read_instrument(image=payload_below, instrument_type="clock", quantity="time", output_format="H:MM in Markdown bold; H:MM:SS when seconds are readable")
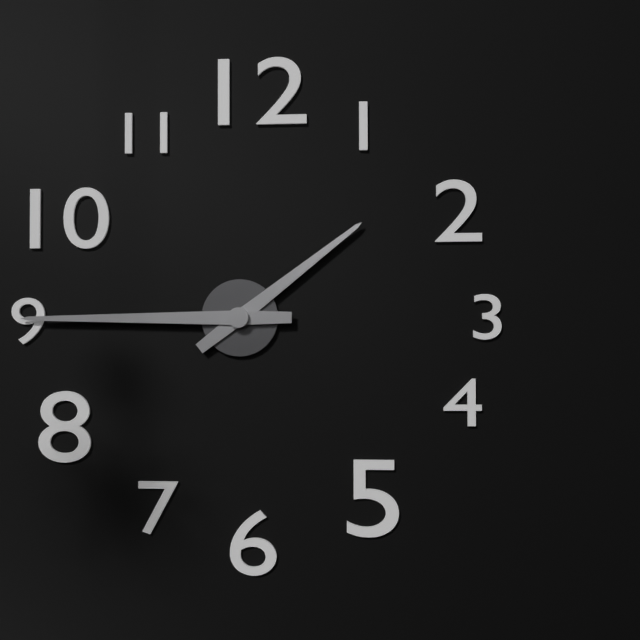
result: **1:45**
